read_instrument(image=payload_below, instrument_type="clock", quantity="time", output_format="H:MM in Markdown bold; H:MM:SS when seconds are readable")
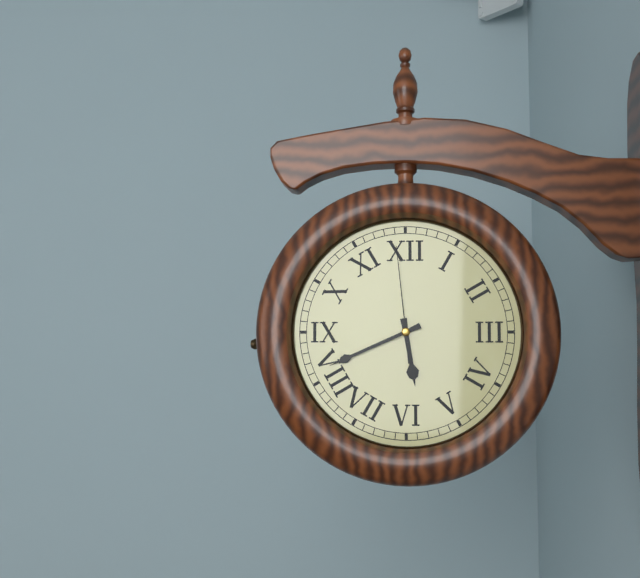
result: **5:41:59**
